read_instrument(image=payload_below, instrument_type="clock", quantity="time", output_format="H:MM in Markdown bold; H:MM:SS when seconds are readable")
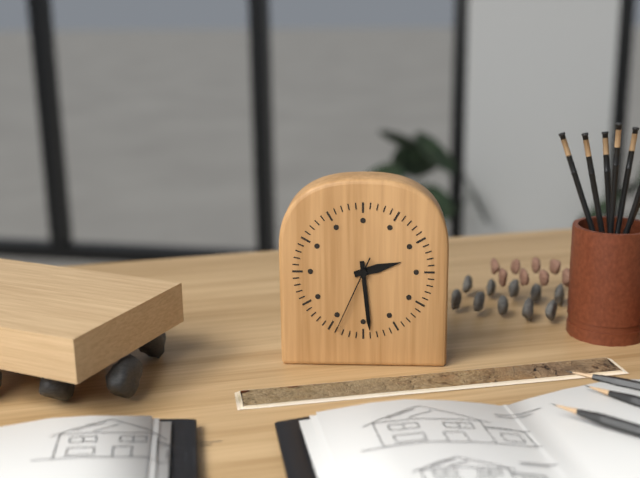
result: **2:29:34**
